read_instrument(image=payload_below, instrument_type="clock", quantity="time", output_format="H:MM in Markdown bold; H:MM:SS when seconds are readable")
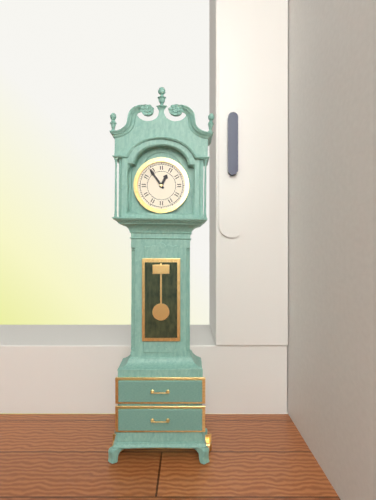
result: **12:54**
